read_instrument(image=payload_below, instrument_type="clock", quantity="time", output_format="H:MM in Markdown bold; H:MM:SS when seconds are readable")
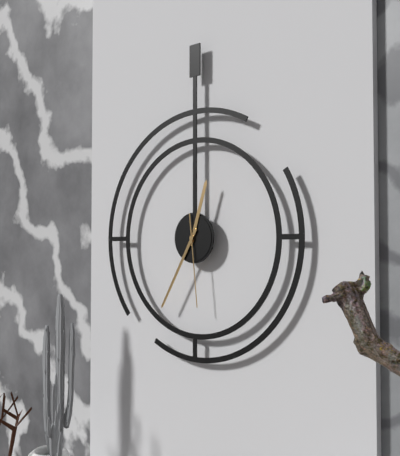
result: **12:35:29**
